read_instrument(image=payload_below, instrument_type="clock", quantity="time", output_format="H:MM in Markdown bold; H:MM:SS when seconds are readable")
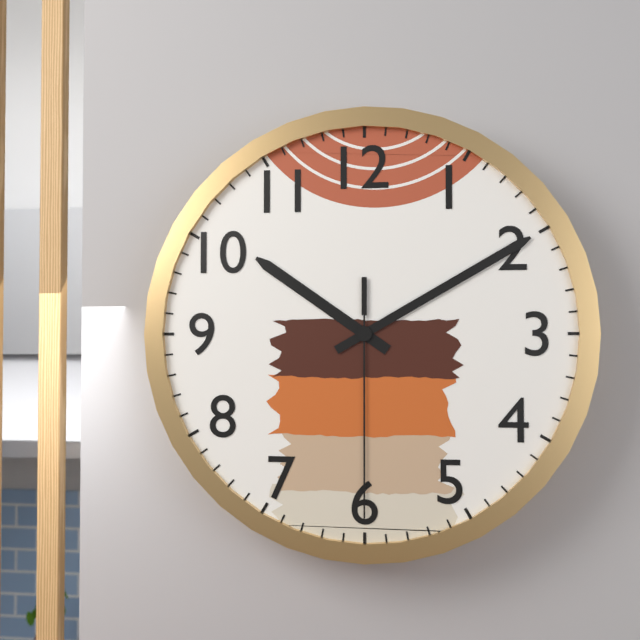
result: **10:10:30**
